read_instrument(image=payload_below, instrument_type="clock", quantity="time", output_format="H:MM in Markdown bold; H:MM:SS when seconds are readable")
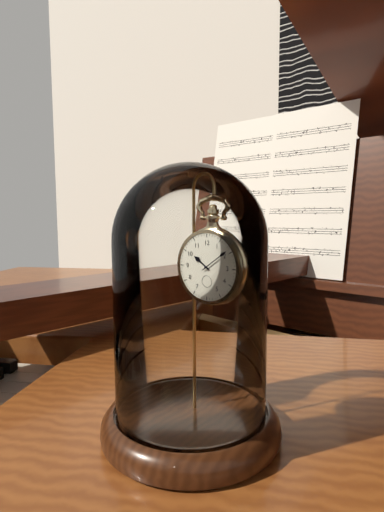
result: **10:09**
